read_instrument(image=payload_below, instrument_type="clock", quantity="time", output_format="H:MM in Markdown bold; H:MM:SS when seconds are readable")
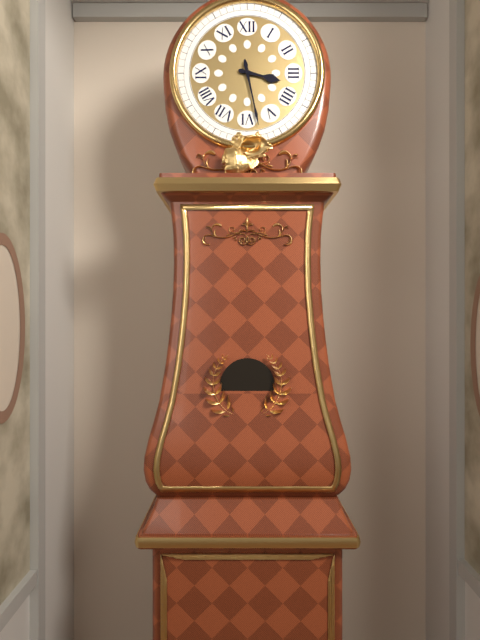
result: **3:28**
